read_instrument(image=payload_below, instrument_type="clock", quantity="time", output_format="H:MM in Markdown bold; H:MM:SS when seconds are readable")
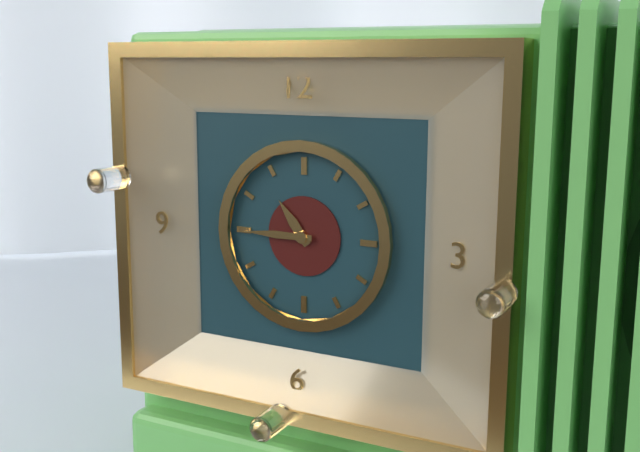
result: **10:45**
